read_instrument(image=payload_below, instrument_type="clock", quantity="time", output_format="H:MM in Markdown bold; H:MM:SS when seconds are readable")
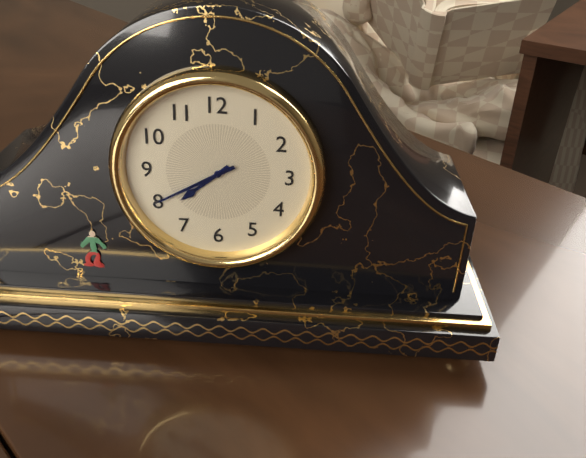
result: **7:40**
